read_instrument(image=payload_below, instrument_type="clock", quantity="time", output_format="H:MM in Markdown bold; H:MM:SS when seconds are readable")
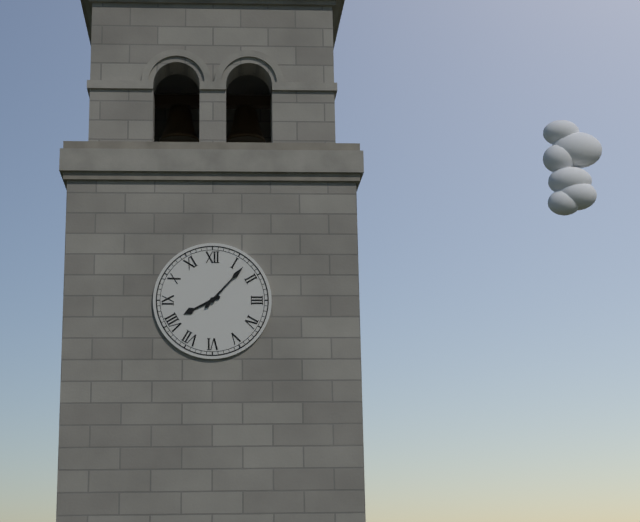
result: **8:07**
